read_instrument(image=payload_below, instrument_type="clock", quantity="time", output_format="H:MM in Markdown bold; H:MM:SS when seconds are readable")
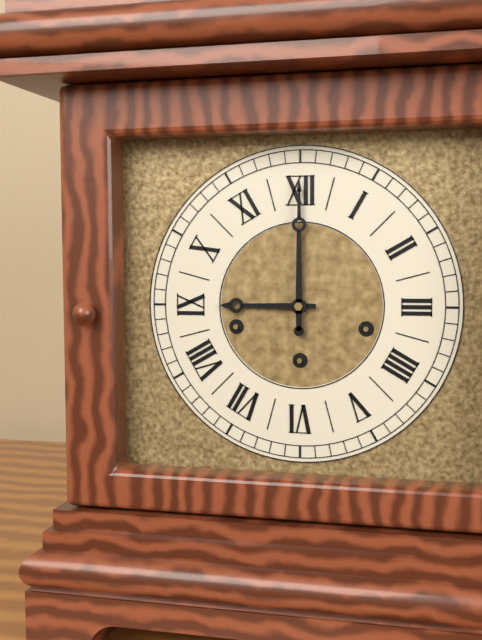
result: **9:00**
